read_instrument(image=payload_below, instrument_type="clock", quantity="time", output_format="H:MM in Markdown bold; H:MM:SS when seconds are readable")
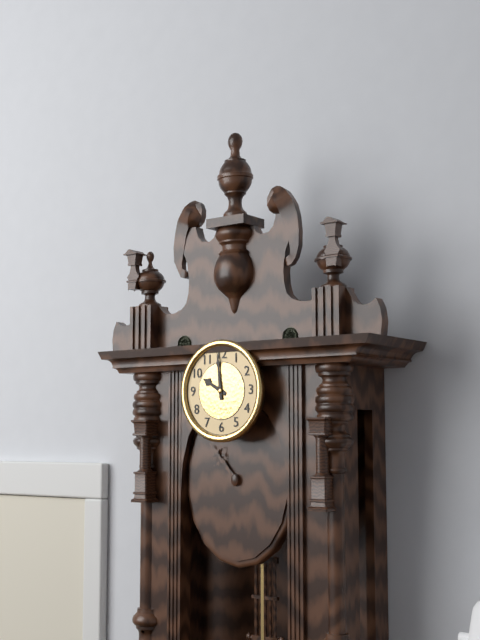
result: **9:59**
